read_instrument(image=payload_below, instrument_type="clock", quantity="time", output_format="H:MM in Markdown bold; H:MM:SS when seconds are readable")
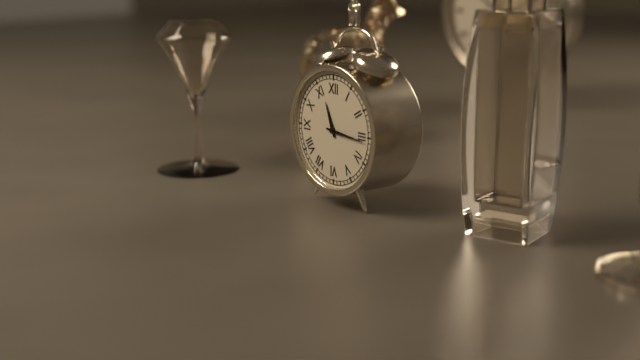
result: **11:16**
